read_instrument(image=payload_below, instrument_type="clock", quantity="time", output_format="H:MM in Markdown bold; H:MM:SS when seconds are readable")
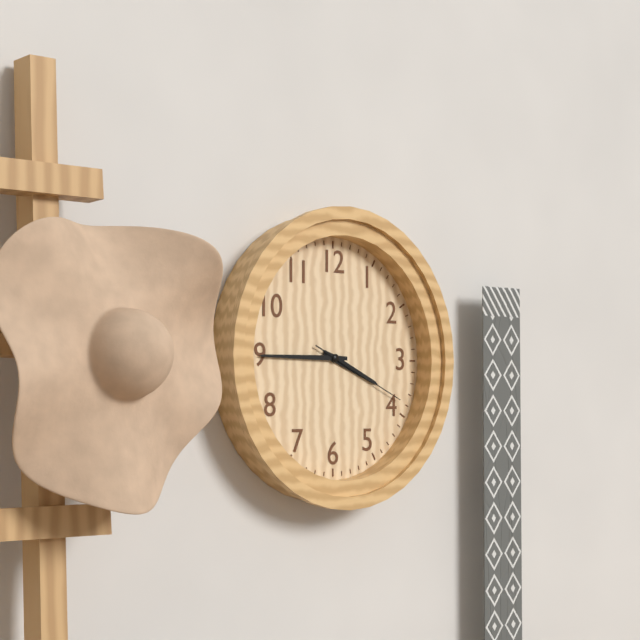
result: **3:45:19**
